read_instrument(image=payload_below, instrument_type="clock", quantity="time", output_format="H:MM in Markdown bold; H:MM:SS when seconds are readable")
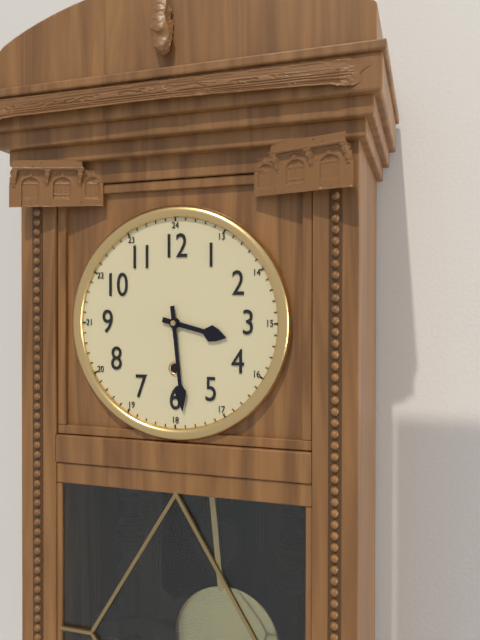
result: **3:29**
